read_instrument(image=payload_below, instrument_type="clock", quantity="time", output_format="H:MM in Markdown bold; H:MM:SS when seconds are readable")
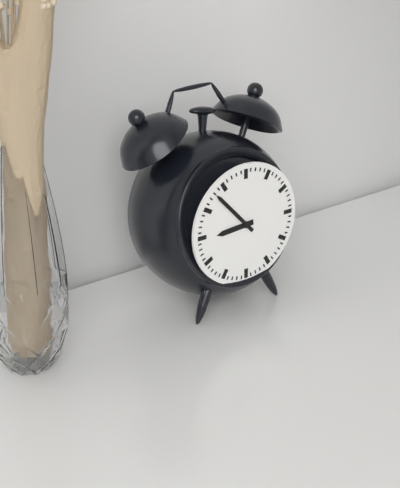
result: **8:53**
